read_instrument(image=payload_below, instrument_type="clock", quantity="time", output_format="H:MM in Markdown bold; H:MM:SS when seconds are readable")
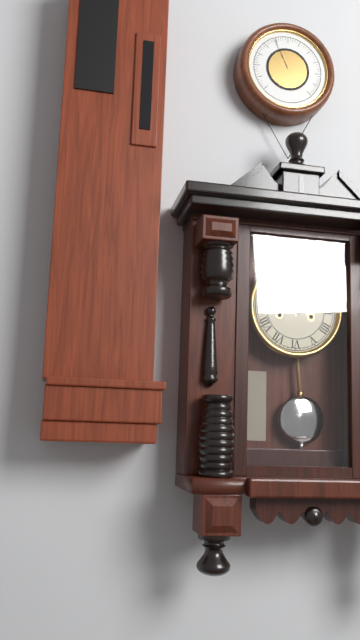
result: **10:43**
